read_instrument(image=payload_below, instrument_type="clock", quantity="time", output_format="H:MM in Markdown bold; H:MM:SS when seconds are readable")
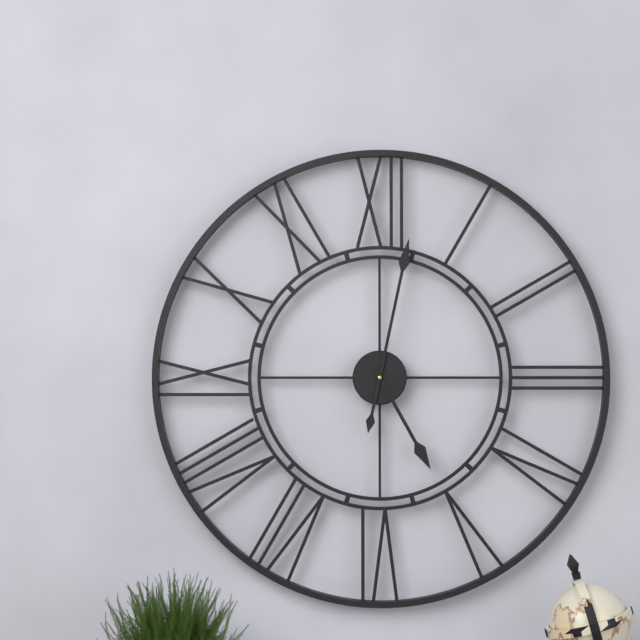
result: **5:02**
